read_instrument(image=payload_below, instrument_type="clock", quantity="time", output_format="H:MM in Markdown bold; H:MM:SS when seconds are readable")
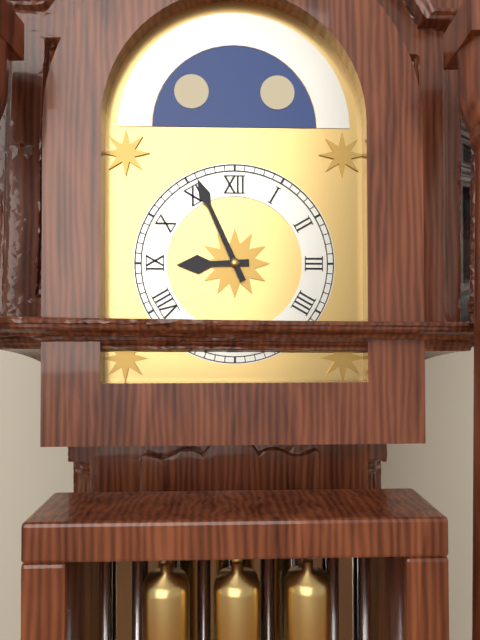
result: **8:56**
